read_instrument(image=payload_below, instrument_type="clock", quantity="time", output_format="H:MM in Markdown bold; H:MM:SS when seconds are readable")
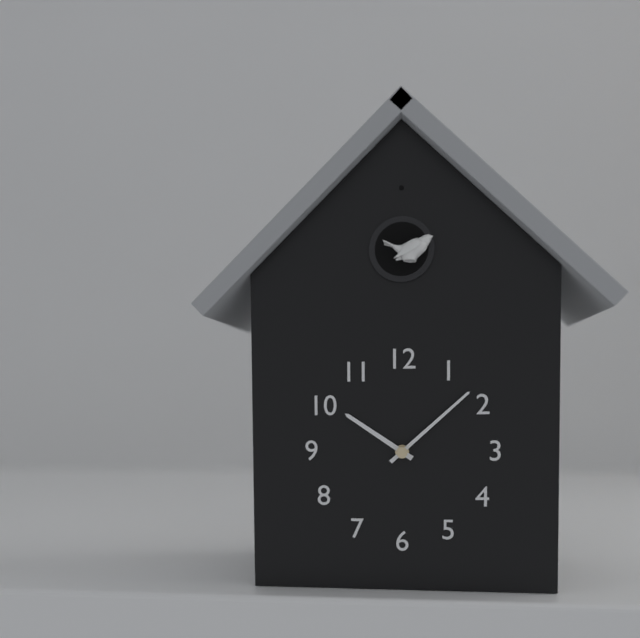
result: **10:08**
